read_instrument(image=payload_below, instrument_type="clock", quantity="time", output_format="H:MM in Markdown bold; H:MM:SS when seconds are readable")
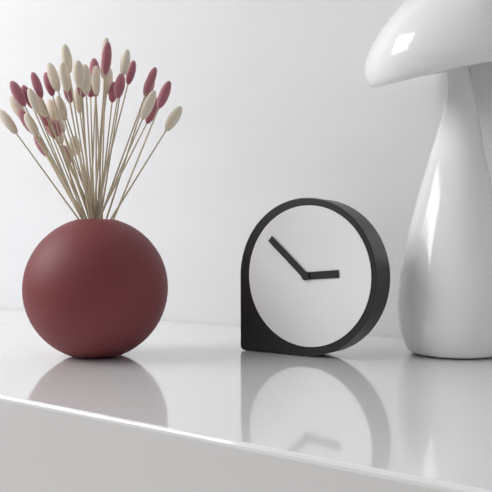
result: **2:52**
